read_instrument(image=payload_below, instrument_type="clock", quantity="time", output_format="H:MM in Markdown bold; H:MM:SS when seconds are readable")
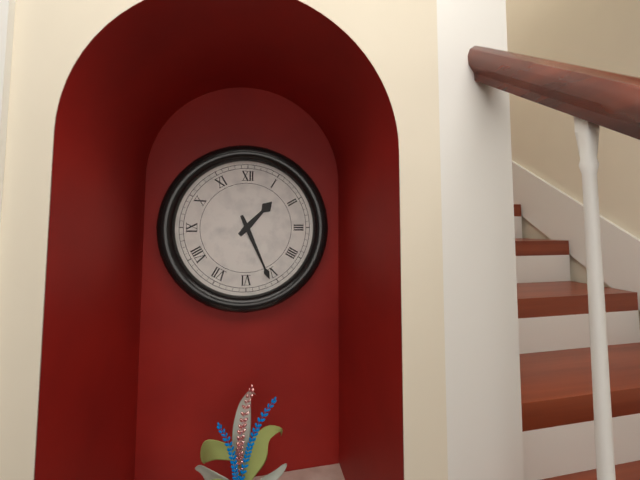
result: **1:26**
